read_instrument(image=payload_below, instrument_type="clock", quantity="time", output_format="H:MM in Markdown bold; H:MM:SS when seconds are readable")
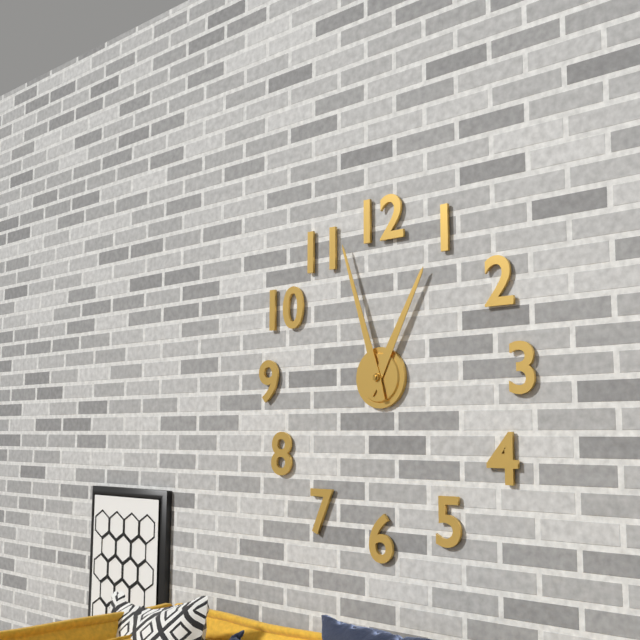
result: **12:57**
